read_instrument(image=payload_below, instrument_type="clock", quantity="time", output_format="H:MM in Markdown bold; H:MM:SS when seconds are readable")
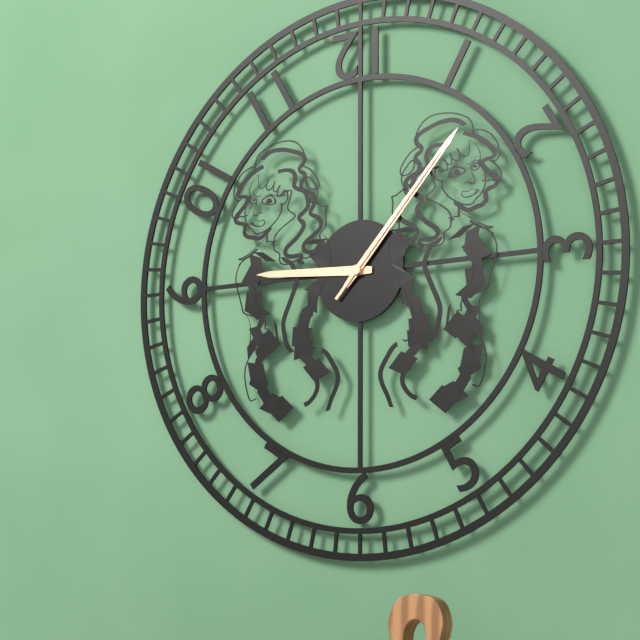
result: **9:07:07**
